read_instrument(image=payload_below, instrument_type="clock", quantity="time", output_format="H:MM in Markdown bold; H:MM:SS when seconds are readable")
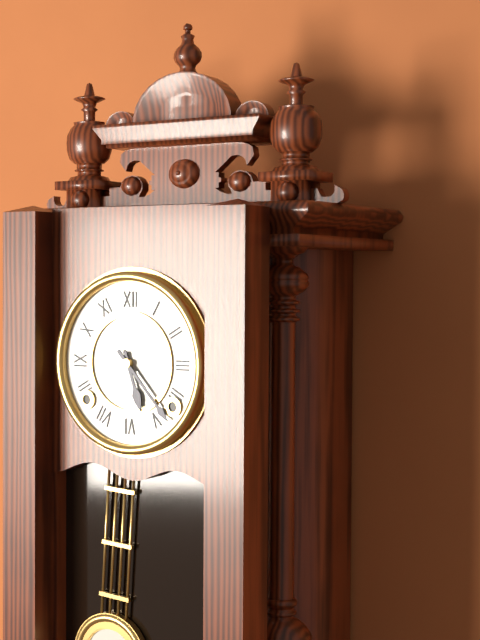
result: **5:23**
